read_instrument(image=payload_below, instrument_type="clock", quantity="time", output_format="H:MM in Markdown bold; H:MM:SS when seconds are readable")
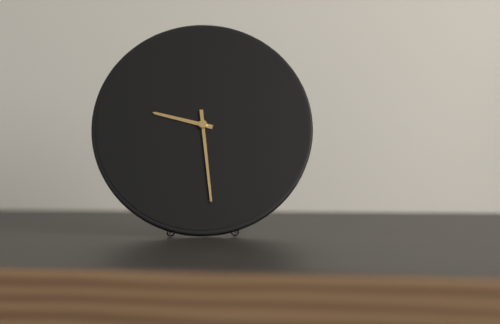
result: **9:29**
